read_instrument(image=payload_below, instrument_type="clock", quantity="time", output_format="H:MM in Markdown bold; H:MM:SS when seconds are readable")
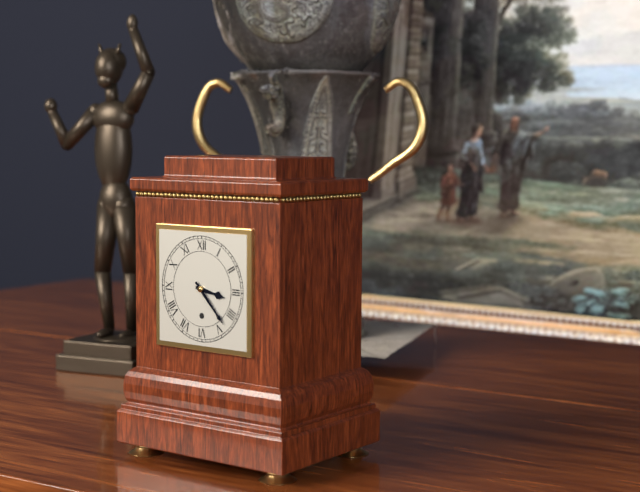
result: **3:23**
